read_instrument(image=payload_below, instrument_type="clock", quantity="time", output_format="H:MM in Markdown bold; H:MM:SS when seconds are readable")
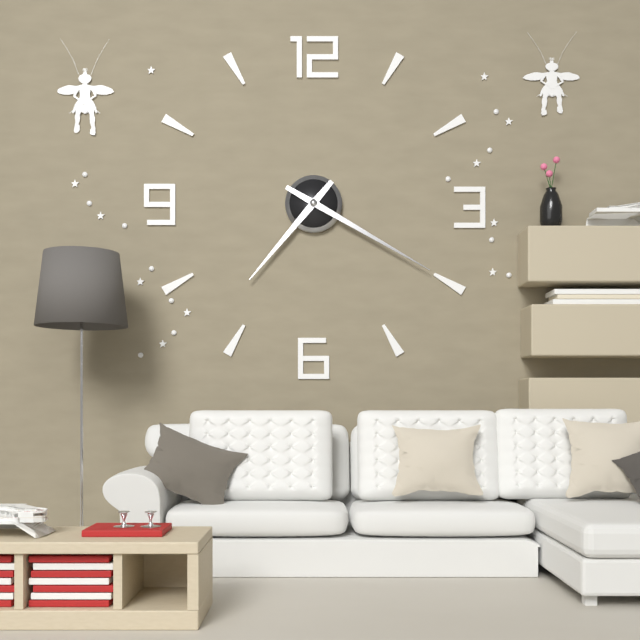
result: **7:20**
